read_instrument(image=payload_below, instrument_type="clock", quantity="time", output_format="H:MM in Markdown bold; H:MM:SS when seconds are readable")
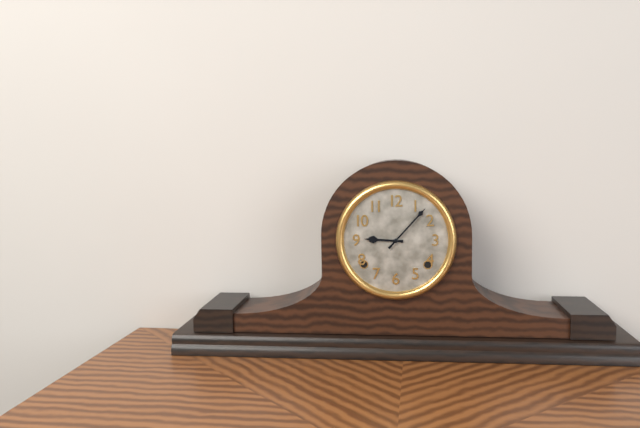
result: **9:07**
